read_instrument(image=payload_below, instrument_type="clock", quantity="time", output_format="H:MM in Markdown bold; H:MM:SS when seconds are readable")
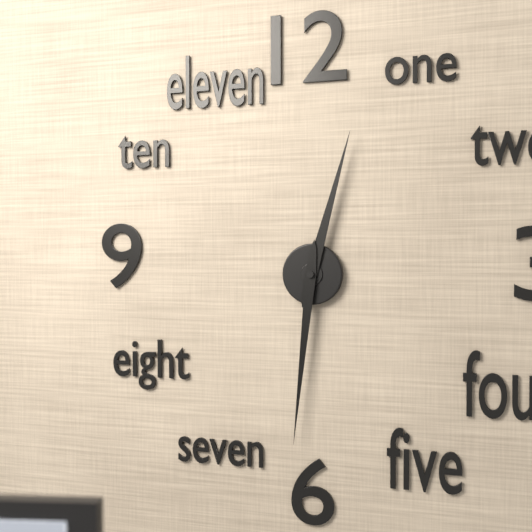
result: **12:31**
